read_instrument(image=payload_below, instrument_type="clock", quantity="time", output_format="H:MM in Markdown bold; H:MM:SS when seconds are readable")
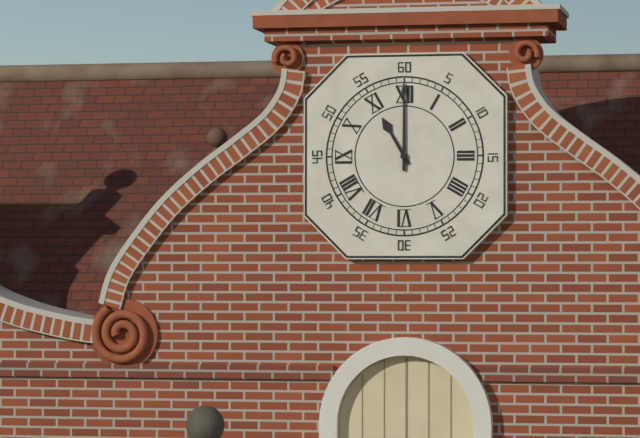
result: **11:00**
